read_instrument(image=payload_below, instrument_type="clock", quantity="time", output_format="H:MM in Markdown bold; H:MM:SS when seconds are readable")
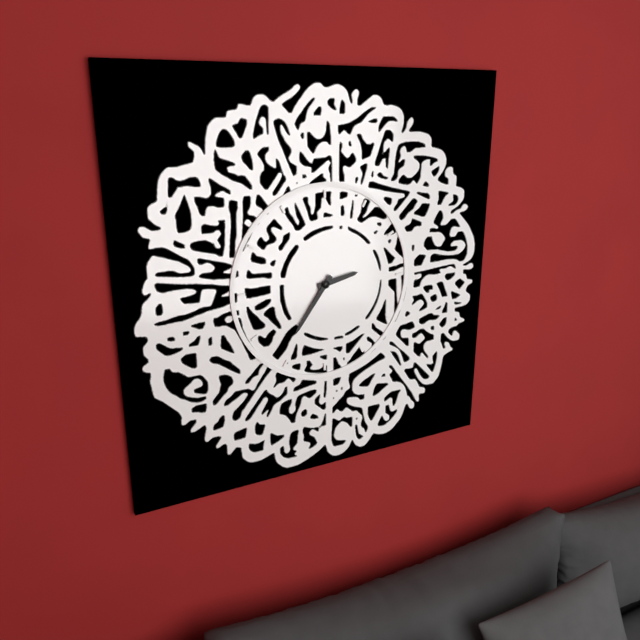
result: **2:36**
